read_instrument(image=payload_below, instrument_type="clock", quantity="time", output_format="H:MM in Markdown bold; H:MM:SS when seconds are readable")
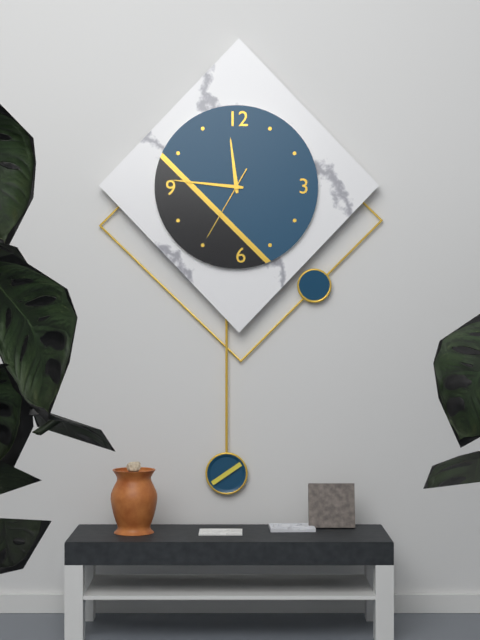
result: **11:46:35**
